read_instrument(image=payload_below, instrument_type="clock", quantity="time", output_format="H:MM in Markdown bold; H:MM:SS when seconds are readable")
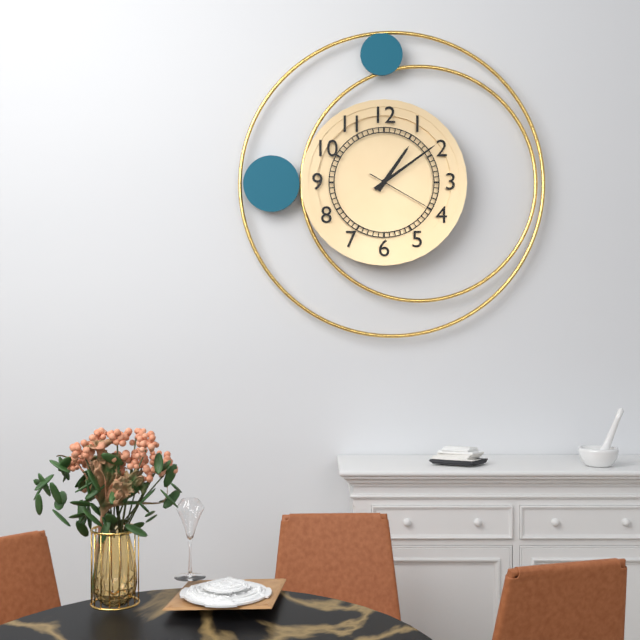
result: **1:09:20**
